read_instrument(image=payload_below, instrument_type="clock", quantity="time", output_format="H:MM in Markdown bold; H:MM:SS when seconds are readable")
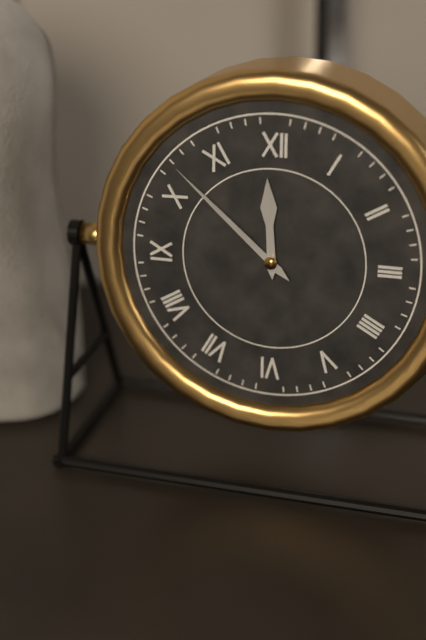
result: **11:52**
